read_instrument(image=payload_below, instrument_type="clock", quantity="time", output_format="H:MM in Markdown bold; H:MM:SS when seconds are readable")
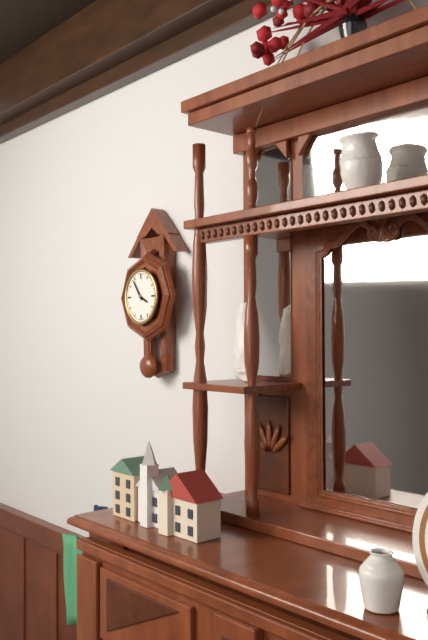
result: **3:54**
